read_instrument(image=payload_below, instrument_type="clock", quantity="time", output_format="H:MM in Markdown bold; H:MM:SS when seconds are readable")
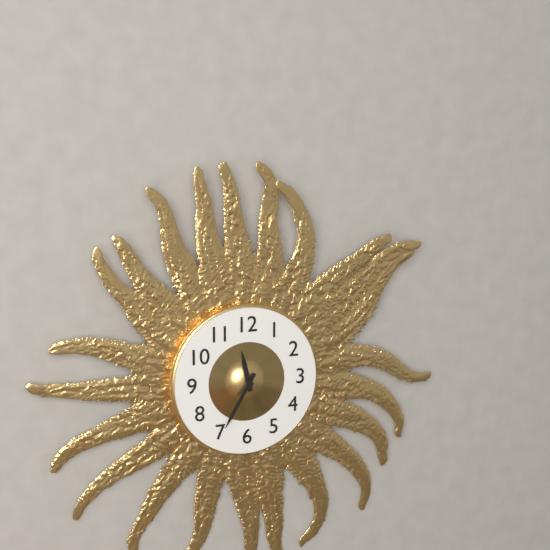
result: **11:35**
